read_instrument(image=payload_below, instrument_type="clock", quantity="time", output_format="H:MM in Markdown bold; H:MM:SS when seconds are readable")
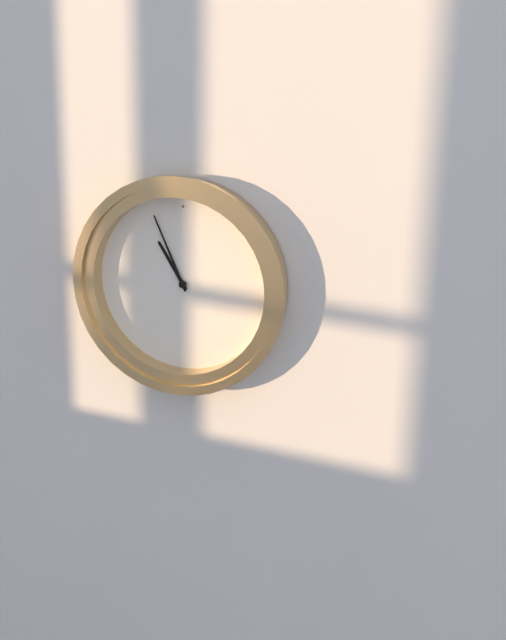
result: **10:56**
